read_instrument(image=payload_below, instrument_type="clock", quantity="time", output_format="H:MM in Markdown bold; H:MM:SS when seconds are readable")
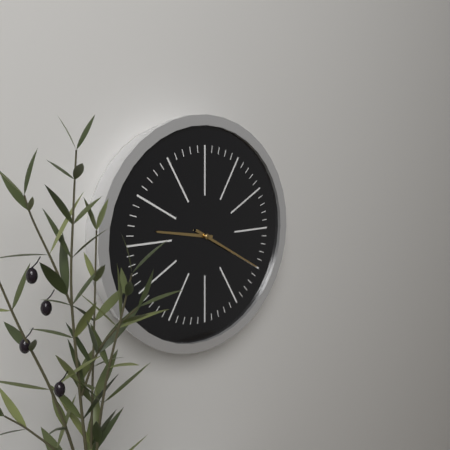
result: **9:20**
